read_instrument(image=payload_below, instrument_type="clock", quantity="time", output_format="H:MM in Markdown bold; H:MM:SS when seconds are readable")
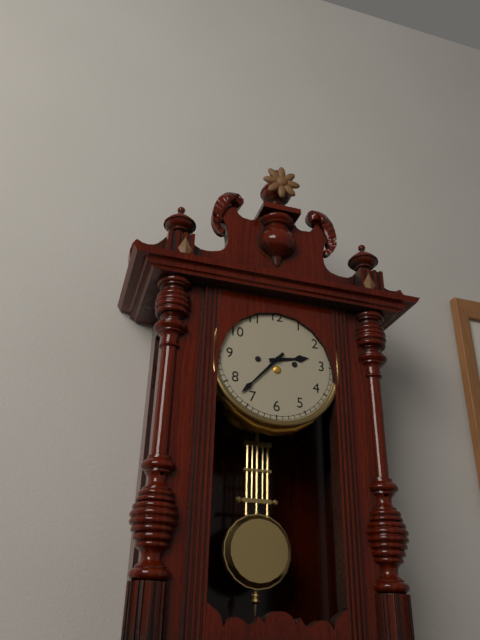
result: **2:37**
